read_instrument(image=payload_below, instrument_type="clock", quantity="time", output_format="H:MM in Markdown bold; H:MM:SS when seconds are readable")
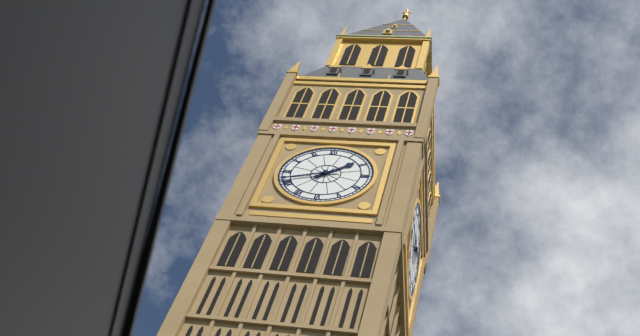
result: **1:42**
